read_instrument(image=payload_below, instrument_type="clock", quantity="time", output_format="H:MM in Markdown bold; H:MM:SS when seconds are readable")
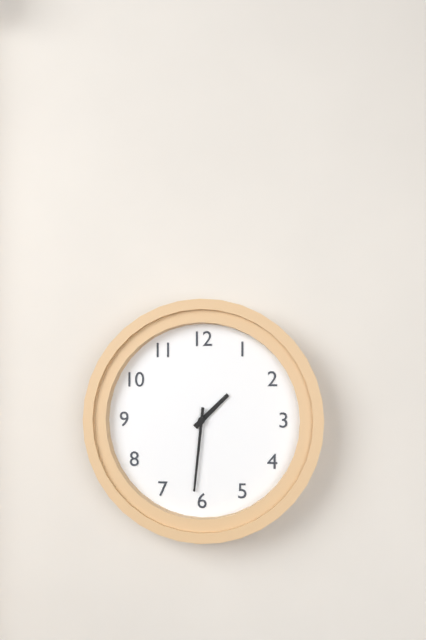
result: **1:31**
